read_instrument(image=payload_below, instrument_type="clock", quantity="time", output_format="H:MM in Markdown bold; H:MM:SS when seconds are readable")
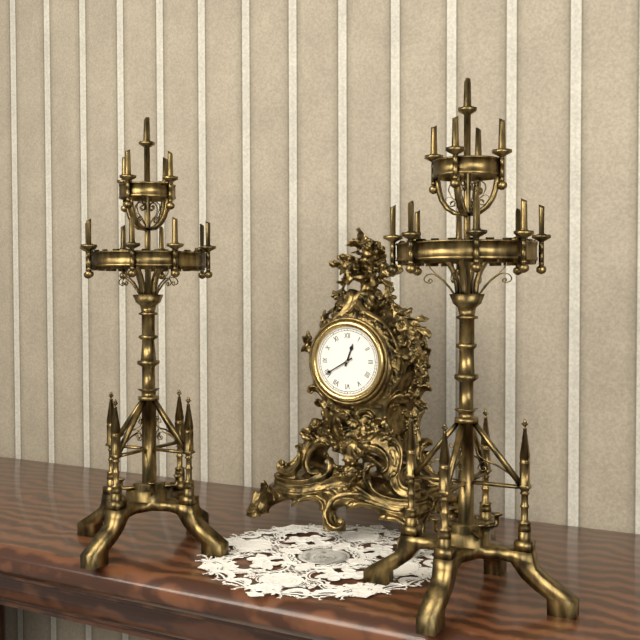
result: **12:40**
